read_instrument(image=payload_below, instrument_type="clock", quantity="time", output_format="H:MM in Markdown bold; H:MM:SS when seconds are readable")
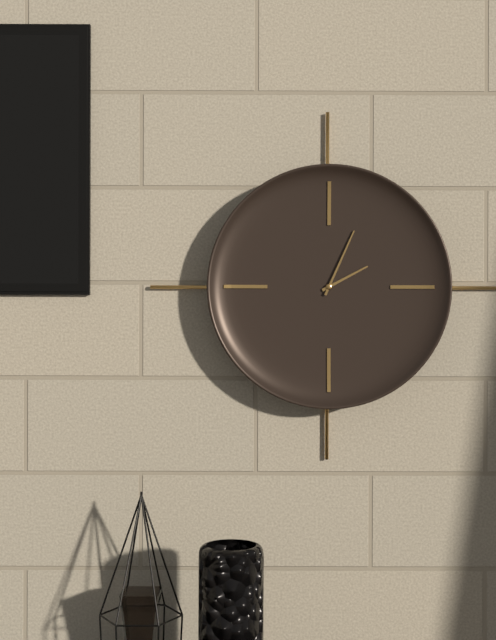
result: **2:04**
